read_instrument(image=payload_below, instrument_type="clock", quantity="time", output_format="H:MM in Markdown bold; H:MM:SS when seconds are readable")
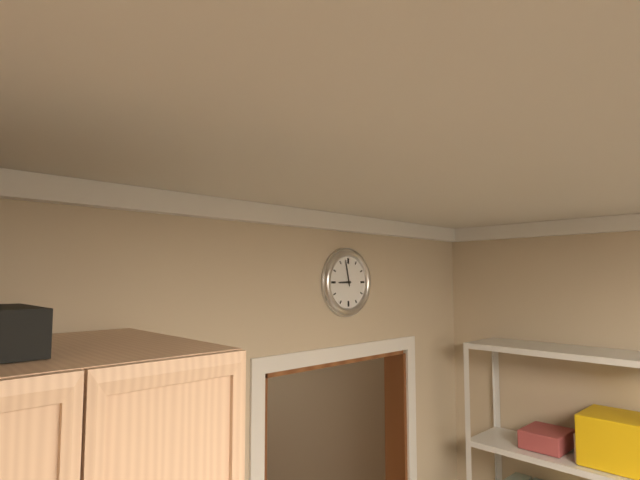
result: **8:58**
